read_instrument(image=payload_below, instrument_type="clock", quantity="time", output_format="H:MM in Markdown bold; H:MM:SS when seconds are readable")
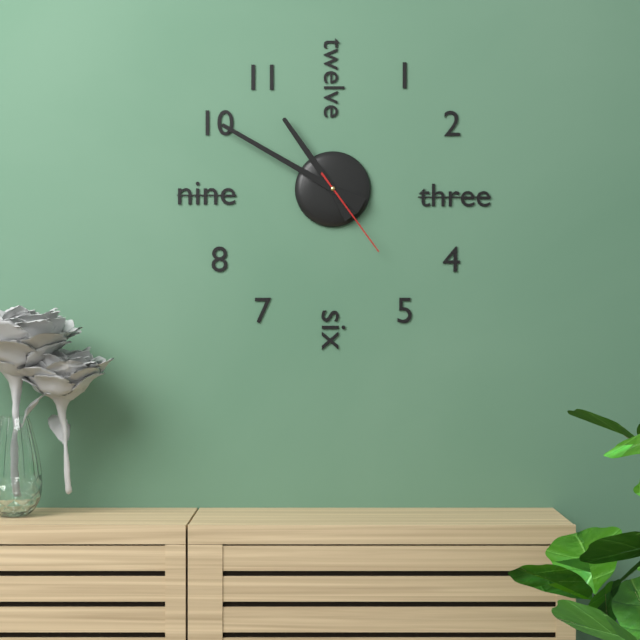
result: **10:50:24**
